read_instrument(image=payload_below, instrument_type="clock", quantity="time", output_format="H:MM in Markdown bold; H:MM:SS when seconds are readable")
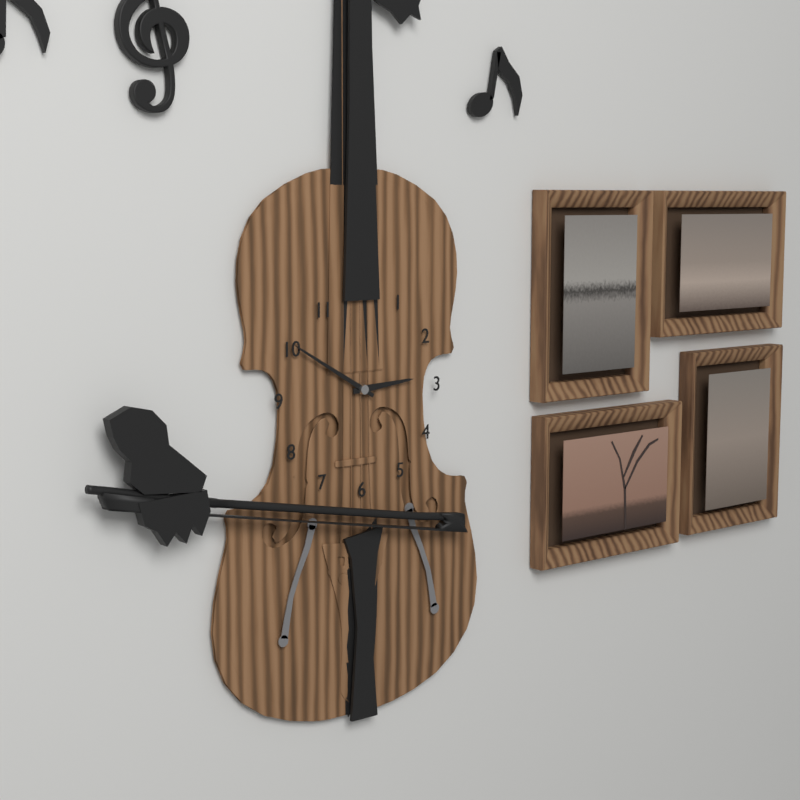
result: **2:50**
